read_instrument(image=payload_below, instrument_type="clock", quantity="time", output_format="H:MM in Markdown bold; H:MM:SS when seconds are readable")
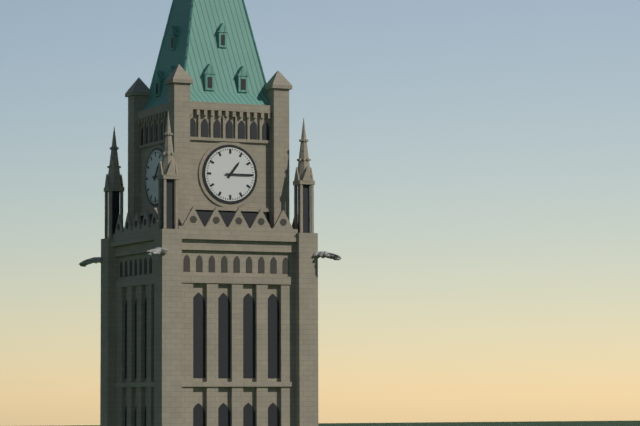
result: **1:15**
